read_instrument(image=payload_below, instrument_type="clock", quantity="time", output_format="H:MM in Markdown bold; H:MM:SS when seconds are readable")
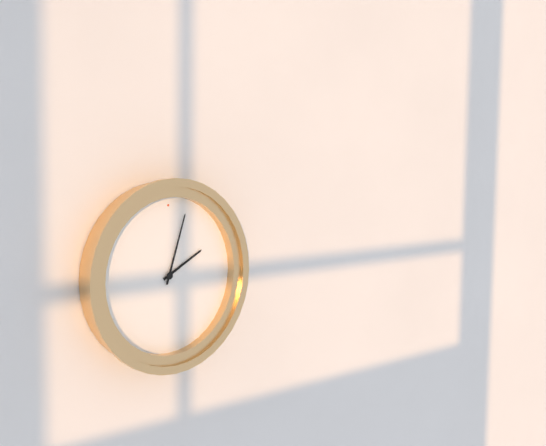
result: **2:03**
